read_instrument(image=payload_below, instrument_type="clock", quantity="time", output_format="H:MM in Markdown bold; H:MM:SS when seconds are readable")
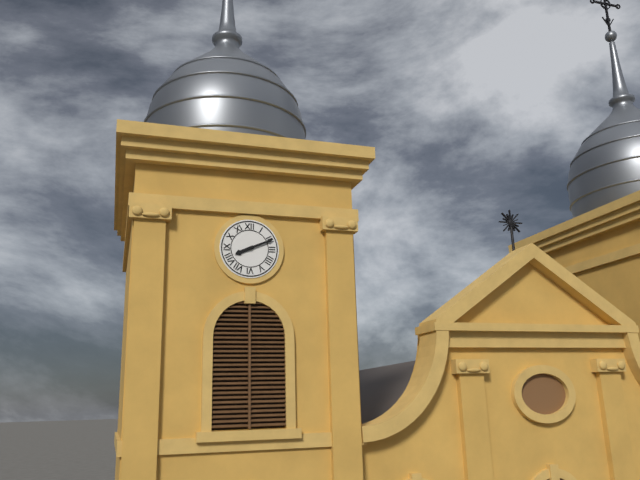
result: **8:11**
